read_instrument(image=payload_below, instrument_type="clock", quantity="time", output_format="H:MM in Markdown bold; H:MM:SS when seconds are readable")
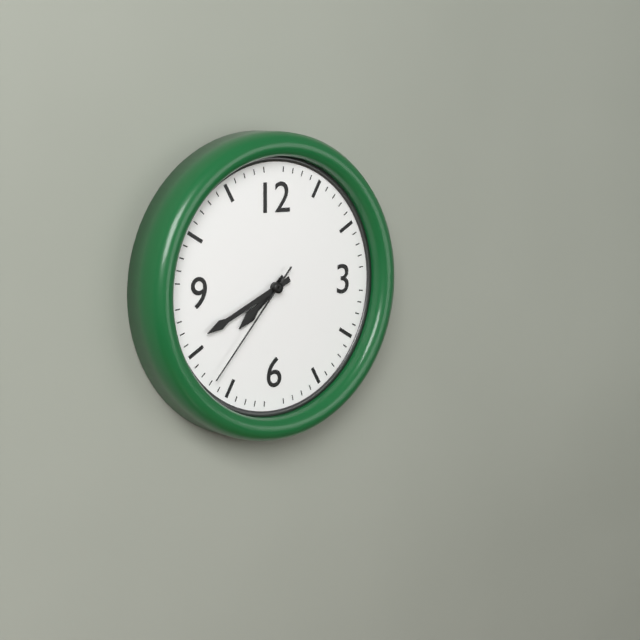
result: **7:41:37**
